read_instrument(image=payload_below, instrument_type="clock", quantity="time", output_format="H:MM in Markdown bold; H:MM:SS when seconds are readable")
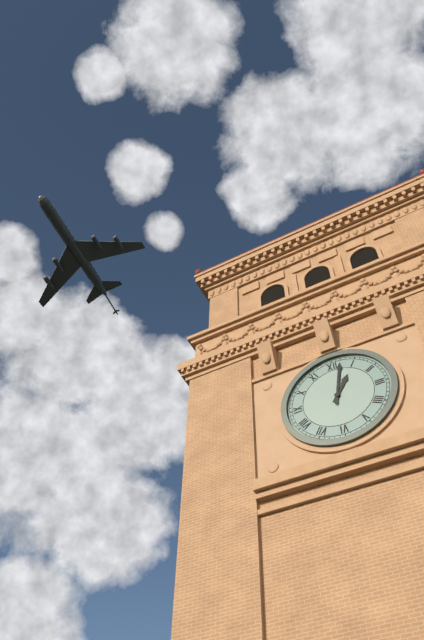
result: **1:02**
